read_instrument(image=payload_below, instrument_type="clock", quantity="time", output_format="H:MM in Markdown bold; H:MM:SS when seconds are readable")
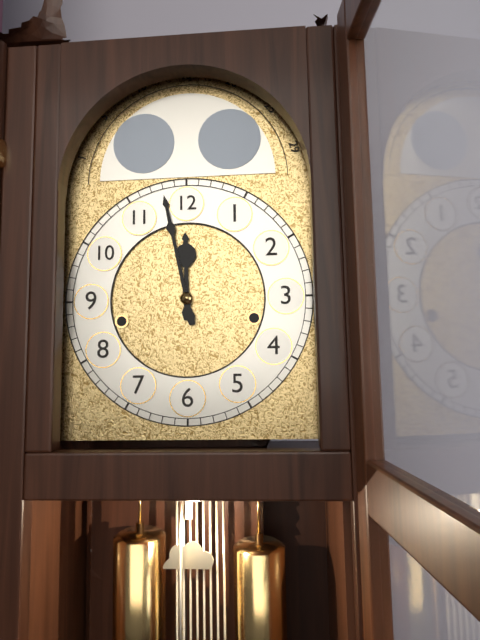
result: **11:58**
